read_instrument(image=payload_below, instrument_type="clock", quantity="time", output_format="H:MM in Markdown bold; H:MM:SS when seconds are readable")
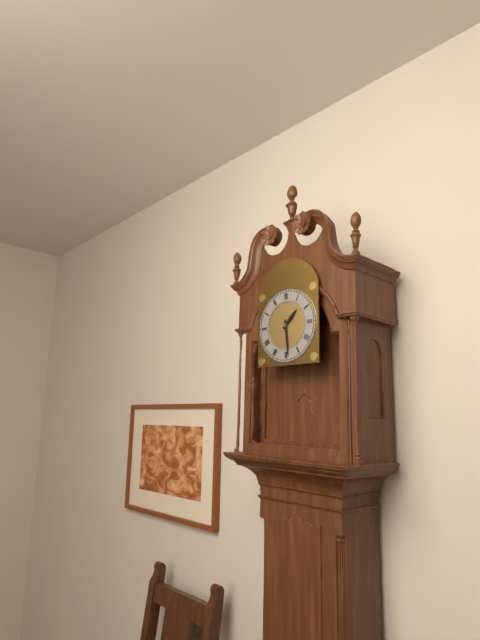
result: **1:29**
